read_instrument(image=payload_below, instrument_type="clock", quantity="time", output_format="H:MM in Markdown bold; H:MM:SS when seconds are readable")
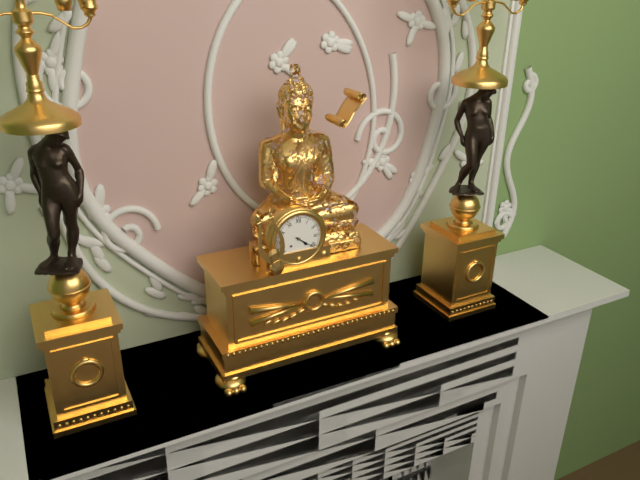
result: **4:21**
